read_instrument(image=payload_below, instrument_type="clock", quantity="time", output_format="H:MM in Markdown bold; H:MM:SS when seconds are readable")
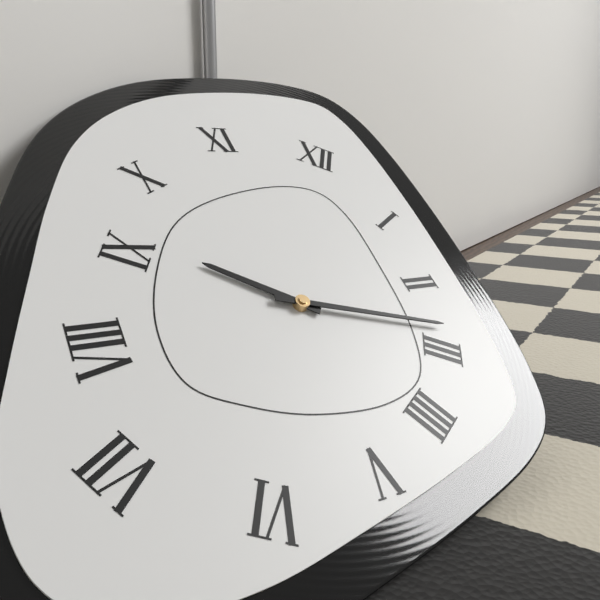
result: **9:13**
